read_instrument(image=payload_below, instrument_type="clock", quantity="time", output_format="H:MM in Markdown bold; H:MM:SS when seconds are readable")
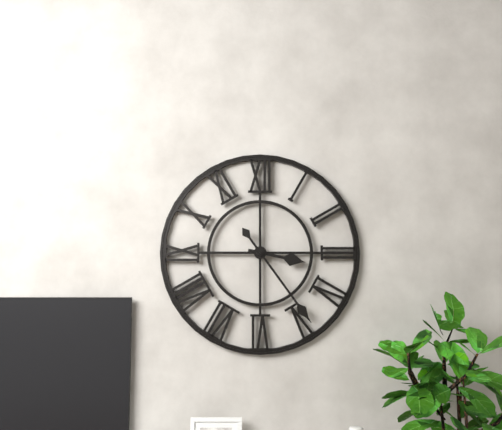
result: **3:24**
